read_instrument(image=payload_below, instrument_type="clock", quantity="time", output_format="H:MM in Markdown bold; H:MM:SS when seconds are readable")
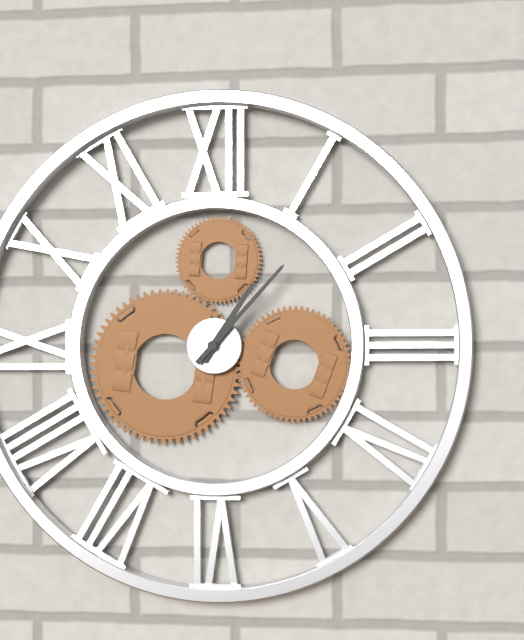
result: **1:07**
